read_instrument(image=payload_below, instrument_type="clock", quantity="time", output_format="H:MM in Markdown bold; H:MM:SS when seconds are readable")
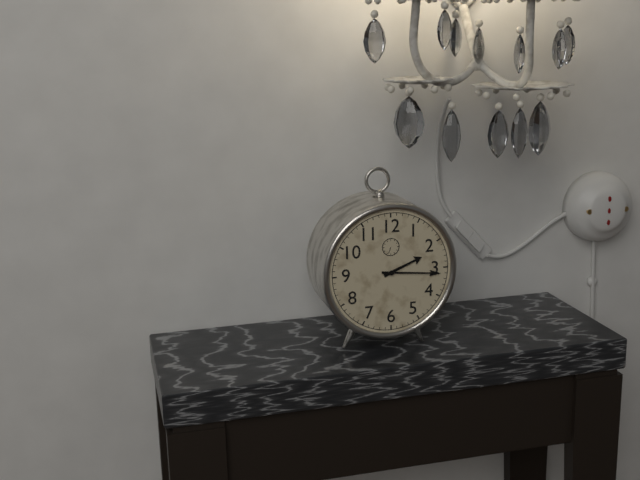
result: **2:16**
